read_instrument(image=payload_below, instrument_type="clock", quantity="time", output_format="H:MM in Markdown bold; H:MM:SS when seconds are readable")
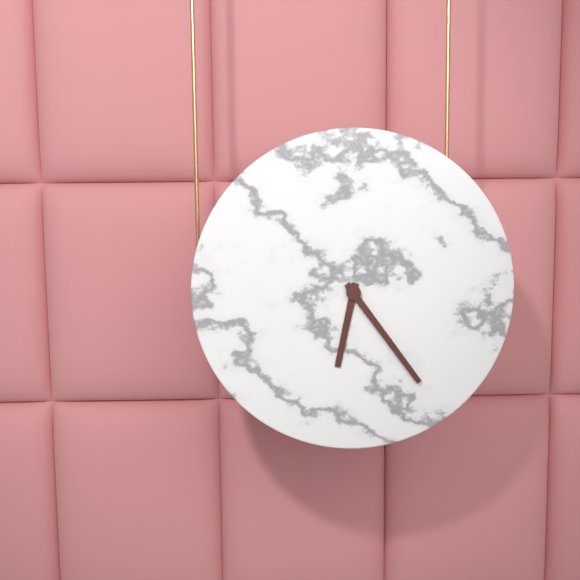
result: **6:24**
